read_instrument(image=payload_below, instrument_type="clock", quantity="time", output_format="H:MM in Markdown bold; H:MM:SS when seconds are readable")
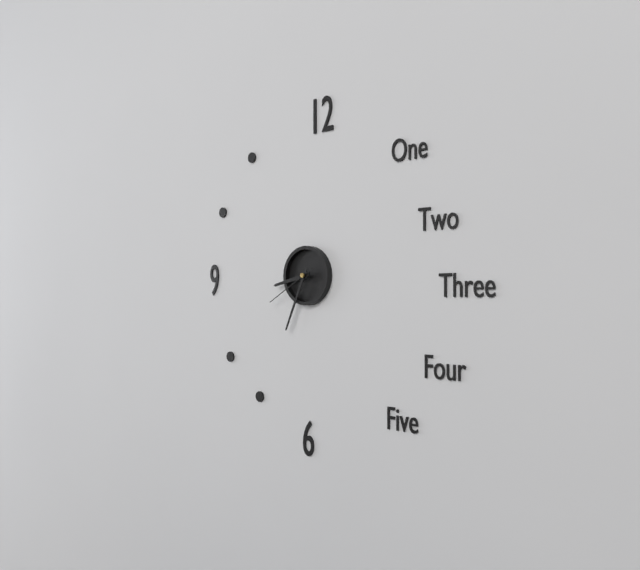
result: **8:34:40**
